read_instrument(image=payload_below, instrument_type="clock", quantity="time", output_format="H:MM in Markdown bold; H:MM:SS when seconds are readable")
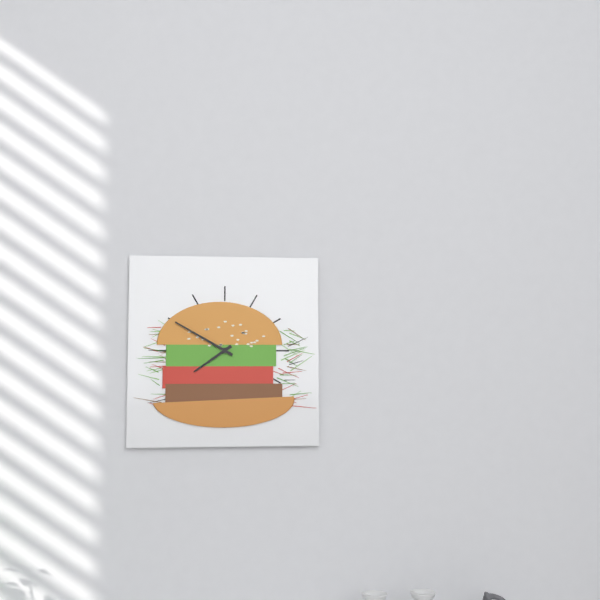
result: **7:50**
